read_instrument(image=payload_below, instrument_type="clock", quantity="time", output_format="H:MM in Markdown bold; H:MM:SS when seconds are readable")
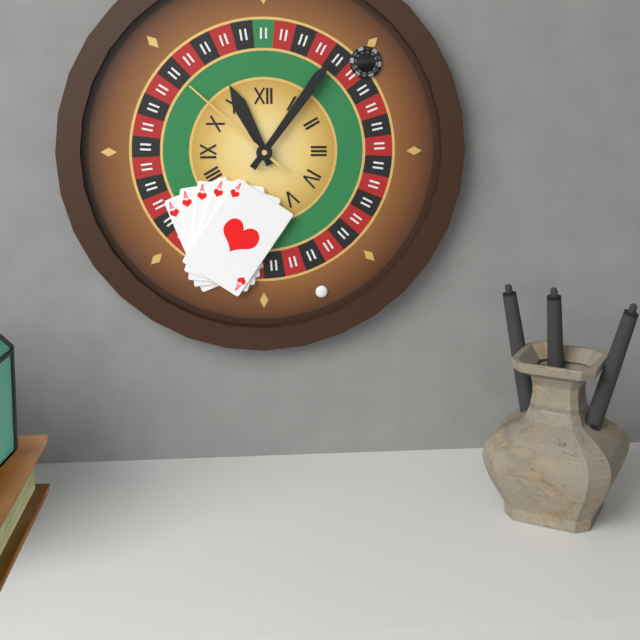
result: **11:06:52**
